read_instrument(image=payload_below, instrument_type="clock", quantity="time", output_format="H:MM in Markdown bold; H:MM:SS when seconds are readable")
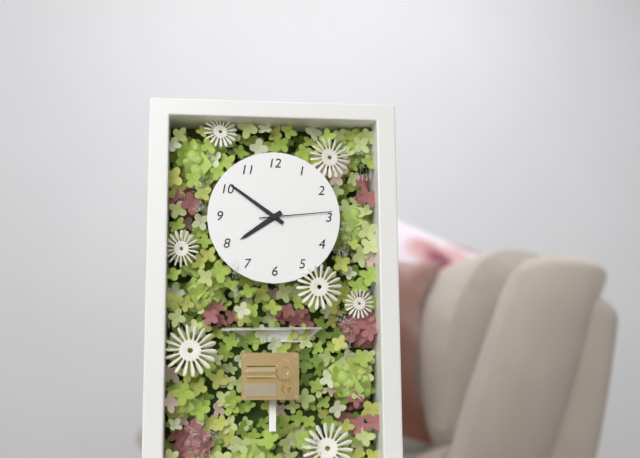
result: **7:51:14**
